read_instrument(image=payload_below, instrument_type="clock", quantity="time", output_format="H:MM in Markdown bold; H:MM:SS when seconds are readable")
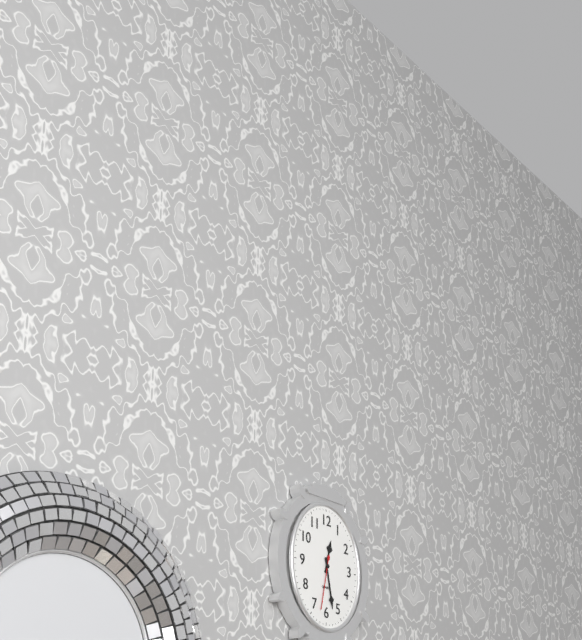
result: **12:28:32**
